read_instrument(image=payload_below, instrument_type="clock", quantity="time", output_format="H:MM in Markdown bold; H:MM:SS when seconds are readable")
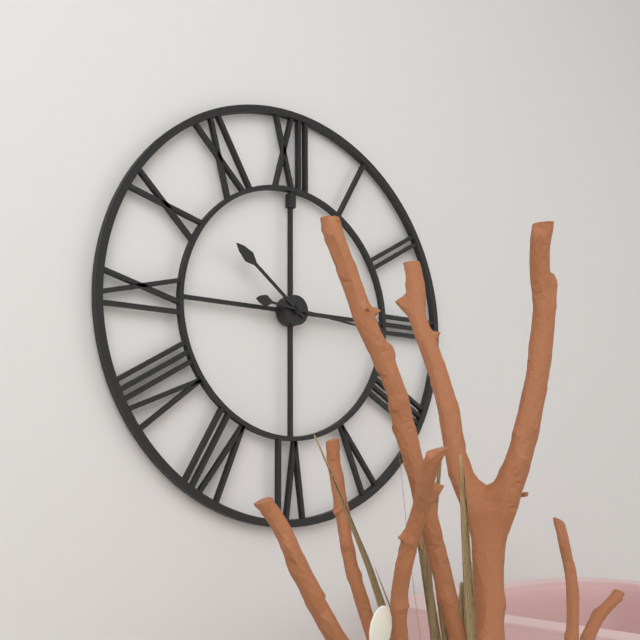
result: **10:16**
